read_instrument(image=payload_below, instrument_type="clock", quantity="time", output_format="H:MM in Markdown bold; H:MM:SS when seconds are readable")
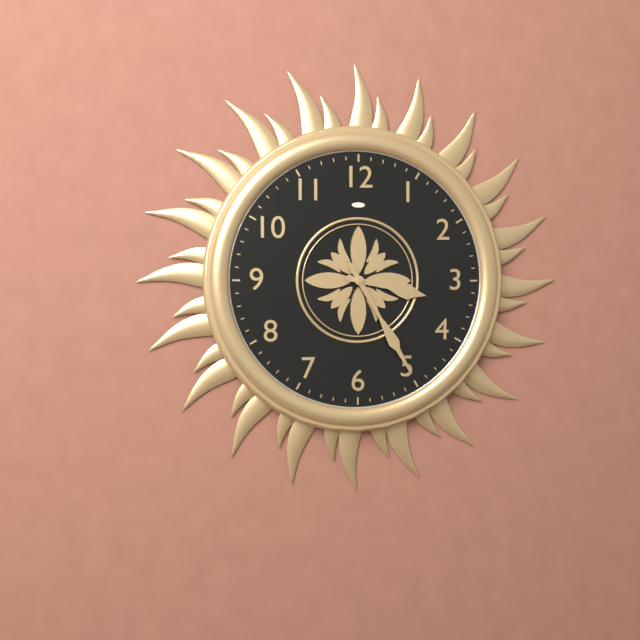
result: **3:25**
